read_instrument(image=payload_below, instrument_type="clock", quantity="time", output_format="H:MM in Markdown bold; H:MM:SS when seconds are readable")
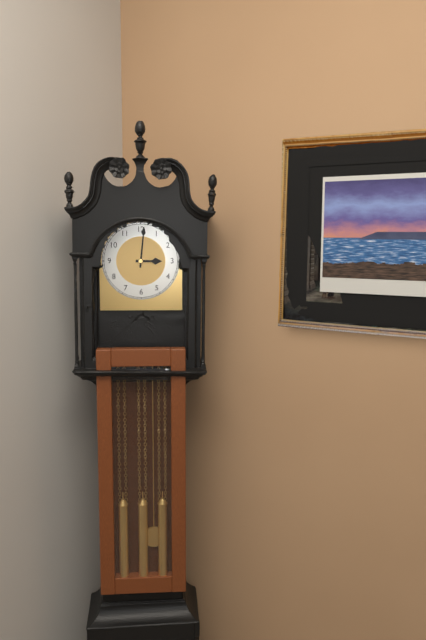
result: **3:01**
